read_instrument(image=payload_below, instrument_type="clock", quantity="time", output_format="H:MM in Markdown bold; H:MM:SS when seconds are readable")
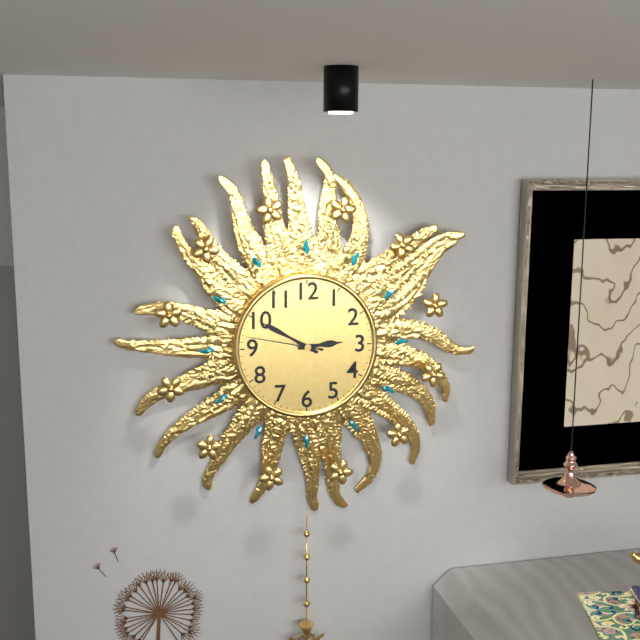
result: **2:50:47**
